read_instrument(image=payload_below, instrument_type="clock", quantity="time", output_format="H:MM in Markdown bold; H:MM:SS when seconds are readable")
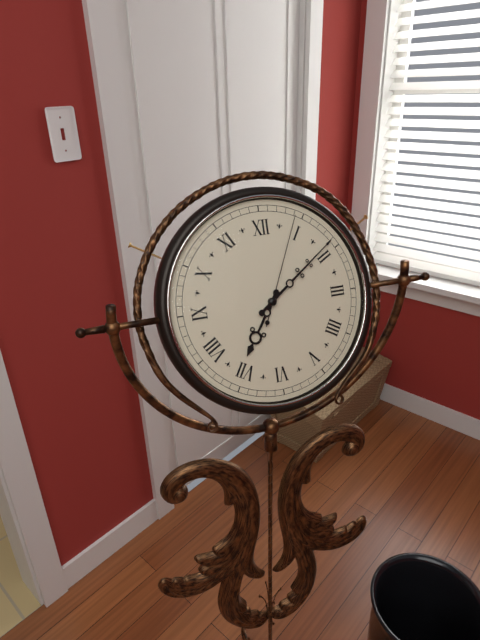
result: **7:09:04**
